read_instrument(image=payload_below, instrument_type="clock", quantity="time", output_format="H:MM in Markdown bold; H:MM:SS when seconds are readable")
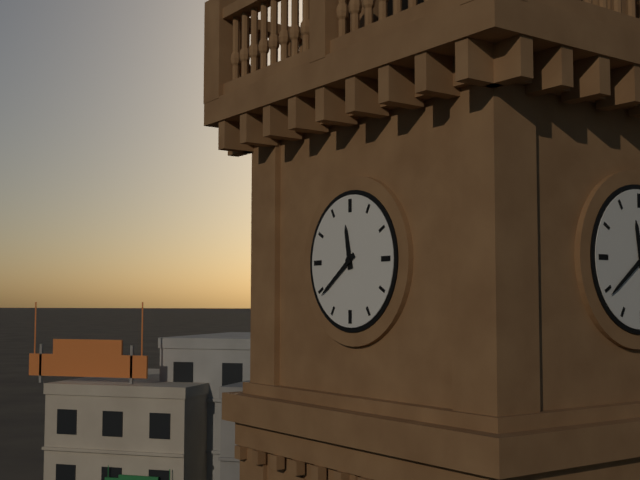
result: **11:39**
